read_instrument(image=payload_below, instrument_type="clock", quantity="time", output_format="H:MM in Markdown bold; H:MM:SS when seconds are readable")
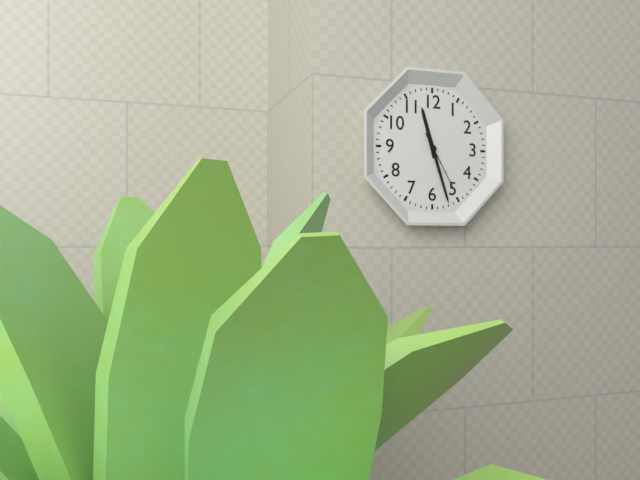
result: **11:27:25**
